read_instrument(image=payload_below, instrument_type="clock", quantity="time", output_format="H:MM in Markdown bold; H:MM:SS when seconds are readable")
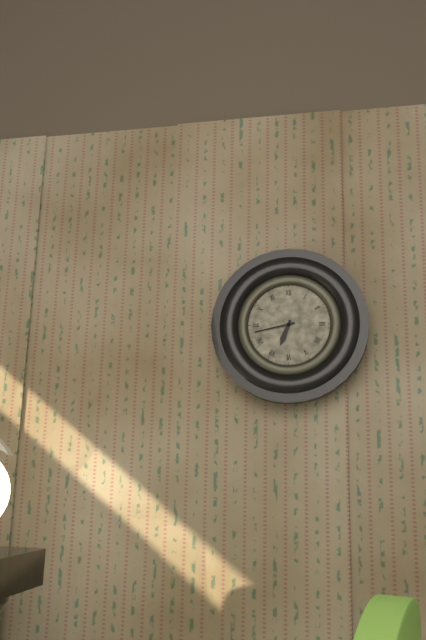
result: **6:43**
